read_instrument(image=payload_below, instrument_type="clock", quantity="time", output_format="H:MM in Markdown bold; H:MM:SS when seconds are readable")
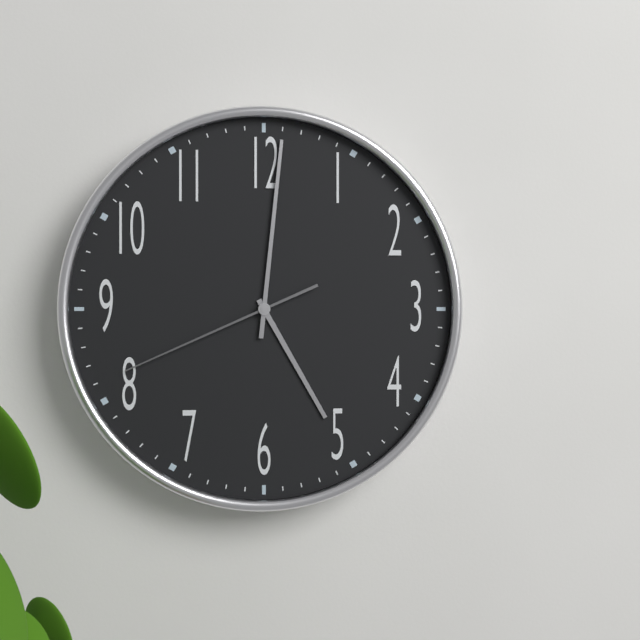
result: **5:01:41**
